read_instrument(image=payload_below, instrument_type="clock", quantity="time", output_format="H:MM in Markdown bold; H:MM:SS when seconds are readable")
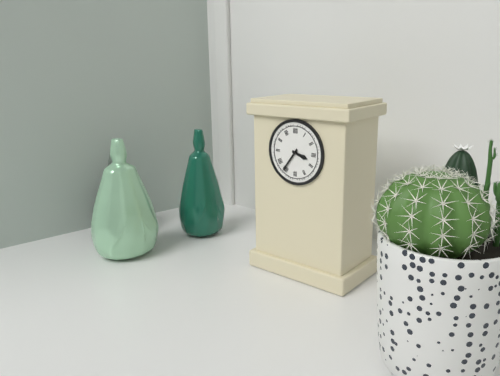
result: **3:36**
